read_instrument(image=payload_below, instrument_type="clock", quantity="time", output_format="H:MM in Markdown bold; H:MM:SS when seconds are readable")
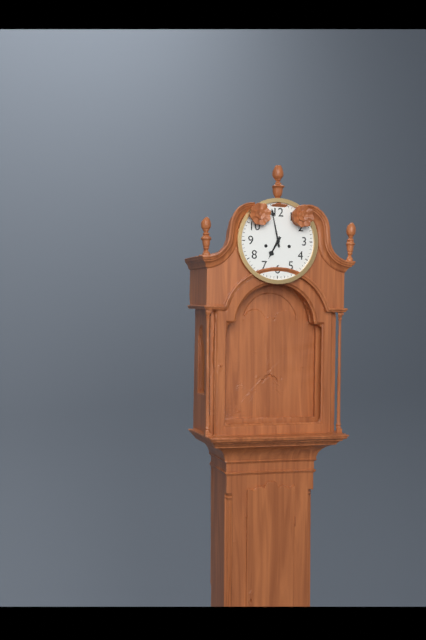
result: **6:58**
